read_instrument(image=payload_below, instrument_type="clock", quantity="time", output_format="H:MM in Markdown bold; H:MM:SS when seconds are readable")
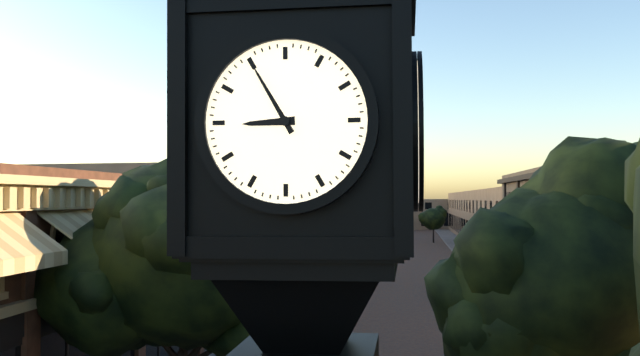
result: **8:55**
